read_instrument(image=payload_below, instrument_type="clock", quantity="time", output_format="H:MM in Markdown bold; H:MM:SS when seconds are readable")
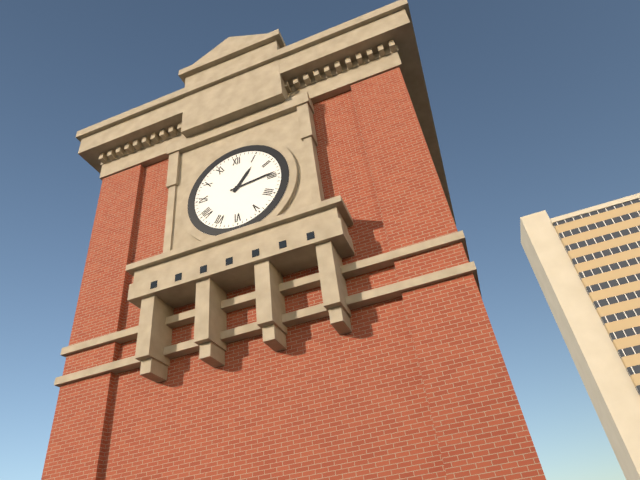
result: **1:14**
